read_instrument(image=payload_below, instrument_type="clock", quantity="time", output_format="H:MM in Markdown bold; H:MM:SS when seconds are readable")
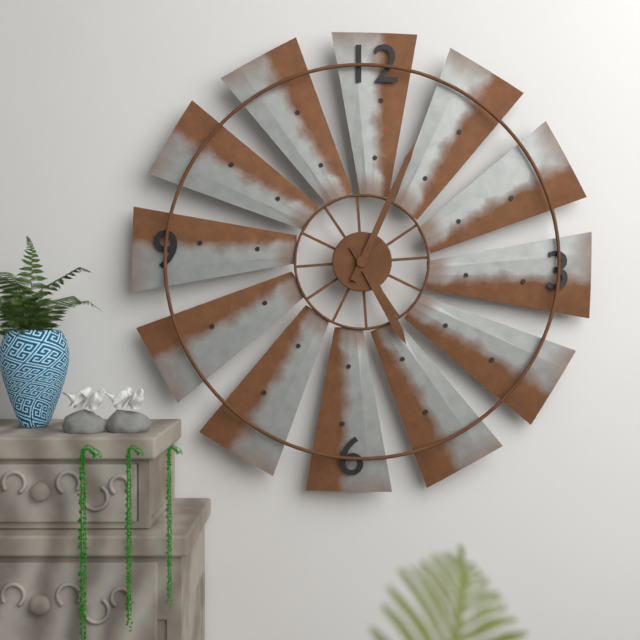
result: **5:04**
